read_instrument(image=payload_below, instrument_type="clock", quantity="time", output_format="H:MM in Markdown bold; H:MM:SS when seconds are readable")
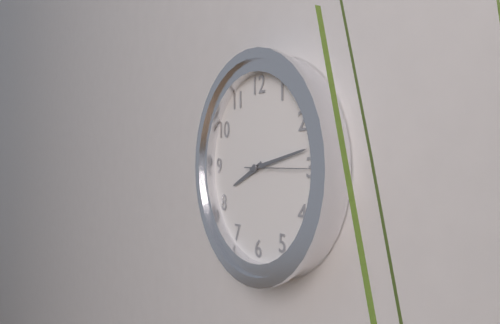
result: **8:13:15**
